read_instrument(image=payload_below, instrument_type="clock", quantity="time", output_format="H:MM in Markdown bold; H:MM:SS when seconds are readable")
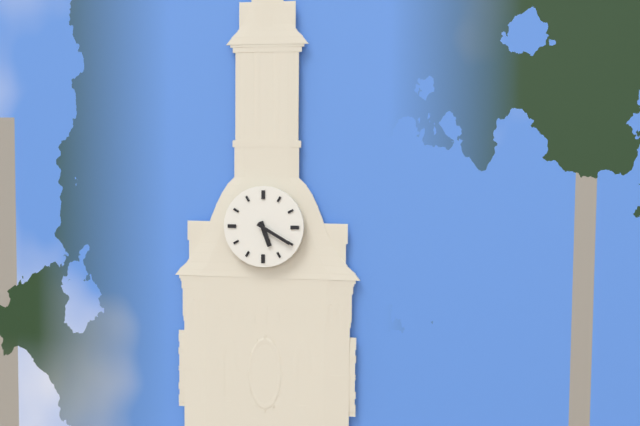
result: **5:20**
